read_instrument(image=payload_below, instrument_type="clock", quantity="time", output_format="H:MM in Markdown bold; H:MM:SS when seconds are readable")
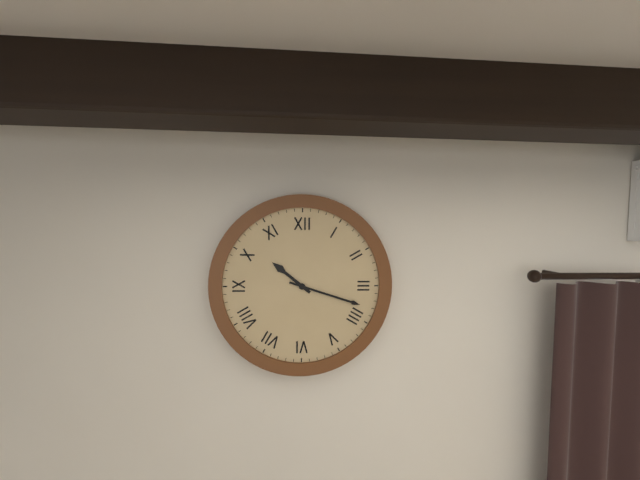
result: **10:18**
